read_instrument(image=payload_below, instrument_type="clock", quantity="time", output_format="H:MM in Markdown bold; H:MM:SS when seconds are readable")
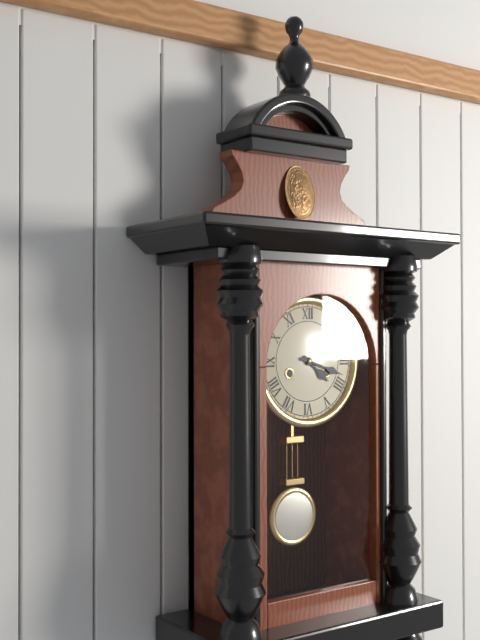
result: **4:18**
